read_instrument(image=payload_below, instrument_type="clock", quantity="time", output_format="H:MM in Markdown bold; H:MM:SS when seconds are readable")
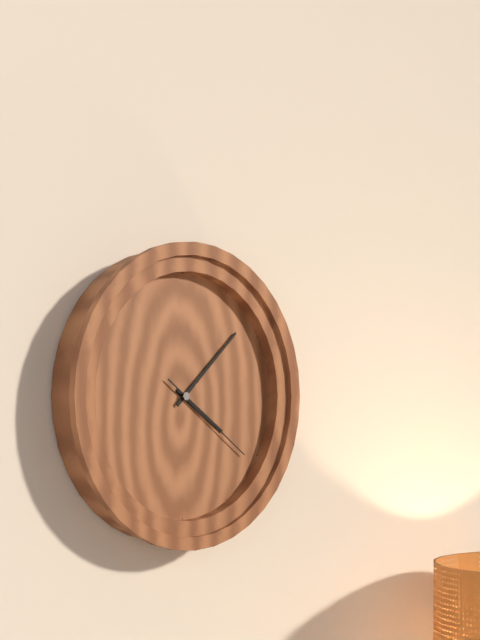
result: **4:08:21**
